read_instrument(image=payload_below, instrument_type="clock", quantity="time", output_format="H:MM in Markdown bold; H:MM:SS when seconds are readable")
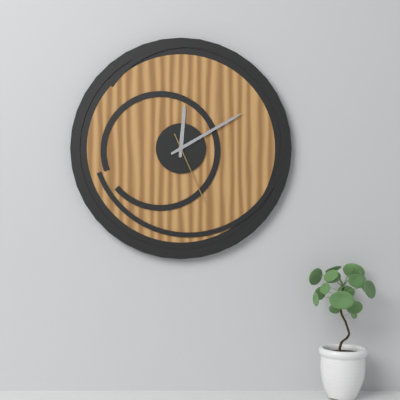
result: **12:10:26**
